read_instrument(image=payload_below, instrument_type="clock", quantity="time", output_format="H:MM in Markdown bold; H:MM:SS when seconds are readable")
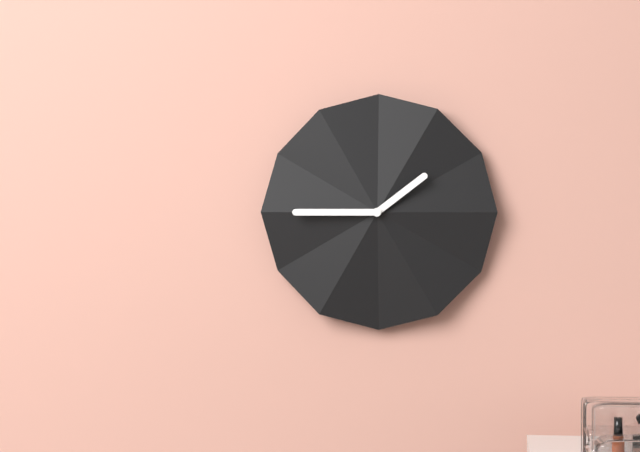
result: **1:45**
